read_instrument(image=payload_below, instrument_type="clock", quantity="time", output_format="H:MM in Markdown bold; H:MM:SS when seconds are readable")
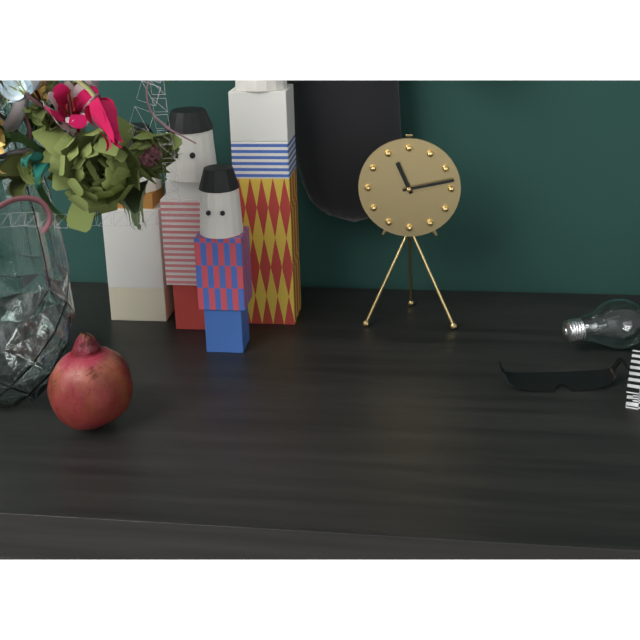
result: **11:13**
